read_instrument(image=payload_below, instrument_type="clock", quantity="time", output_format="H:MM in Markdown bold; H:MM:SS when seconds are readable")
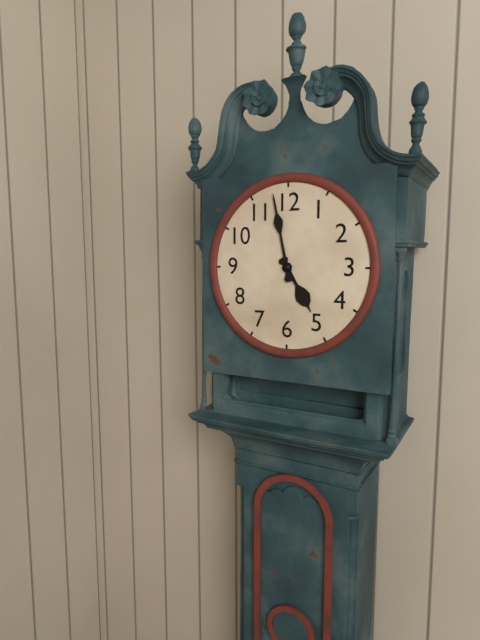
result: **4:58**
